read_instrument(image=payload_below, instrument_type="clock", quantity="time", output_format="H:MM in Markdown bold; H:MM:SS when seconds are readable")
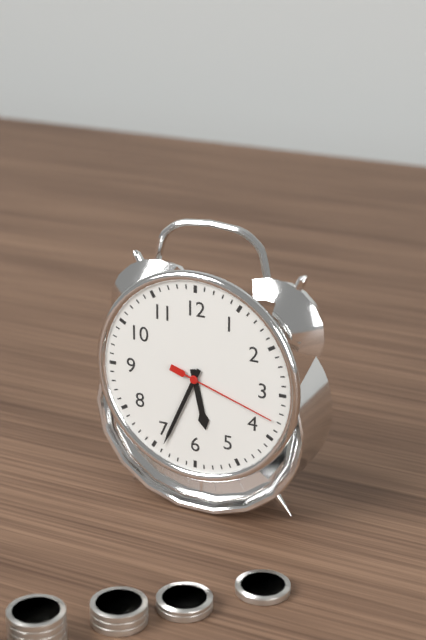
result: **5:34:18**
